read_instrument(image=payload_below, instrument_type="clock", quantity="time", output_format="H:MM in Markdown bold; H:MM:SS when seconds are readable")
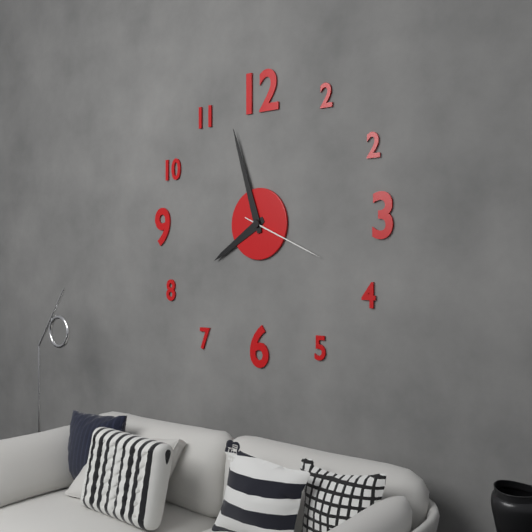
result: **7:57:19**
